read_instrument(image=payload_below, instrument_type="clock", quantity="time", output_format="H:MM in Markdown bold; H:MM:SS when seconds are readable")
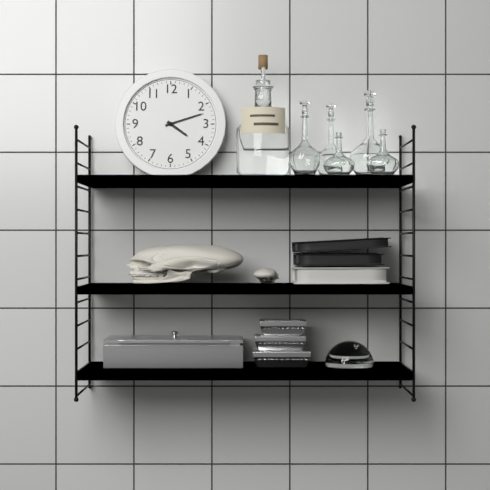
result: **4:12**
